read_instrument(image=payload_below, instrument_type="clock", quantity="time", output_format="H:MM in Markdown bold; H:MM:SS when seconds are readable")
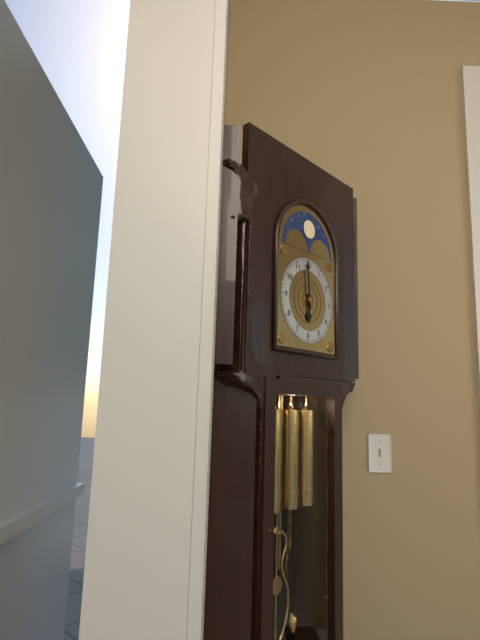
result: **5:59**
